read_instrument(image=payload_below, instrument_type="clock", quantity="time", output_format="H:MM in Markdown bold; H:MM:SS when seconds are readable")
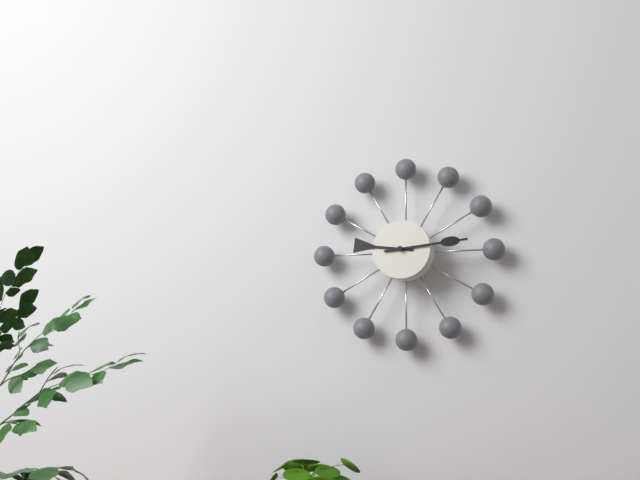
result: **9:14**
